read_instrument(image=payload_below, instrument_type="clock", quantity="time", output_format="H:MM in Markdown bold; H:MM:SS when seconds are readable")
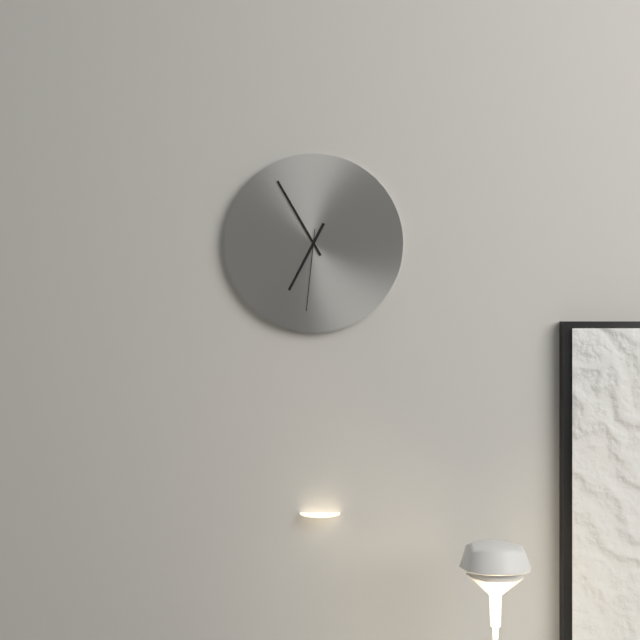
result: **6:55:31**
